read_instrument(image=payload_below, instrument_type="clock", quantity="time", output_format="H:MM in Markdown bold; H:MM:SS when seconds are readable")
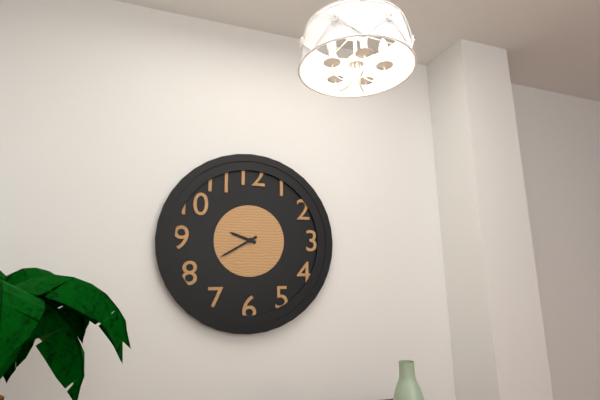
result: **9:40**
